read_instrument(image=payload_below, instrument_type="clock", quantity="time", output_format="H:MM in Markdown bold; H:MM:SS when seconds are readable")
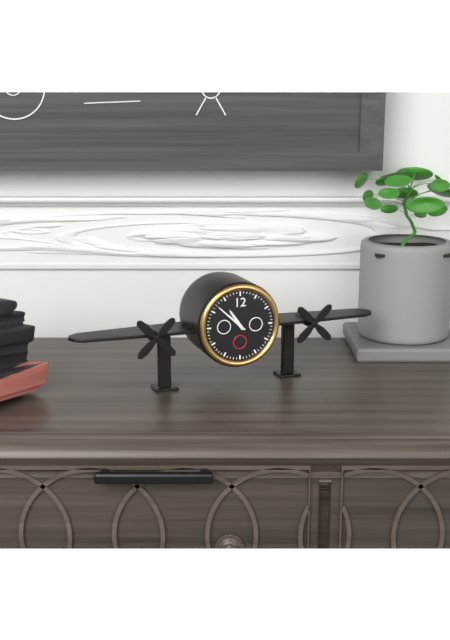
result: **10:52**
